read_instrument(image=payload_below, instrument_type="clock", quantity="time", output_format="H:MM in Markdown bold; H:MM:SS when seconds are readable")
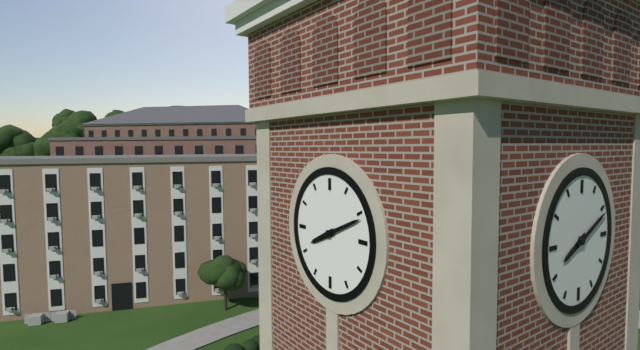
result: **8:11**
